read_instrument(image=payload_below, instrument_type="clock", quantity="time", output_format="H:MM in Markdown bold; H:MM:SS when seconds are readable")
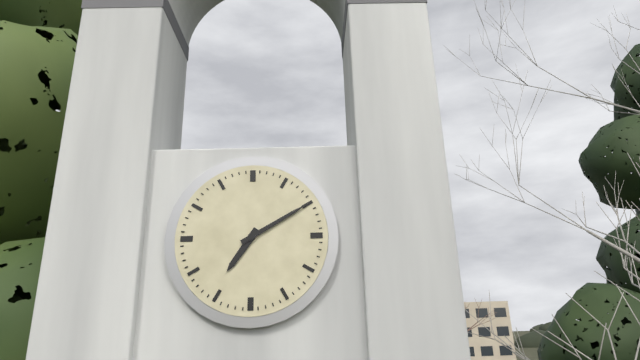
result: **7:10**
